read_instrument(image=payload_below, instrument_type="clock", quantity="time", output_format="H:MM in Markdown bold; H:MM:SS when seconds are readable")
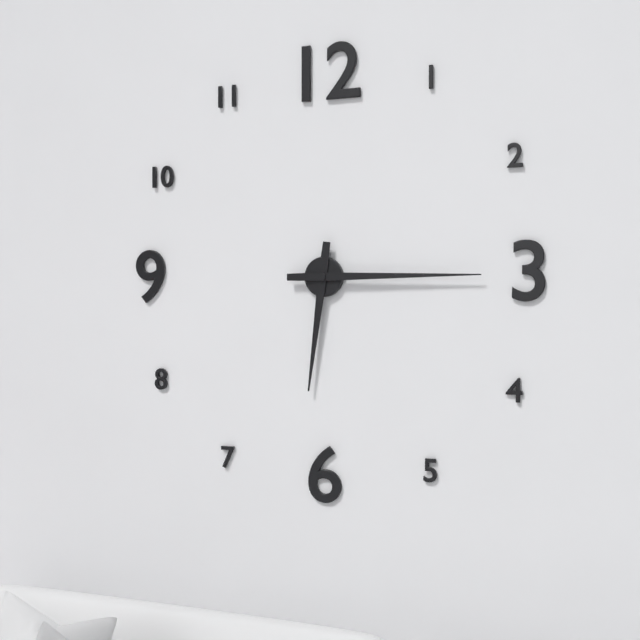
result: **6:15**
